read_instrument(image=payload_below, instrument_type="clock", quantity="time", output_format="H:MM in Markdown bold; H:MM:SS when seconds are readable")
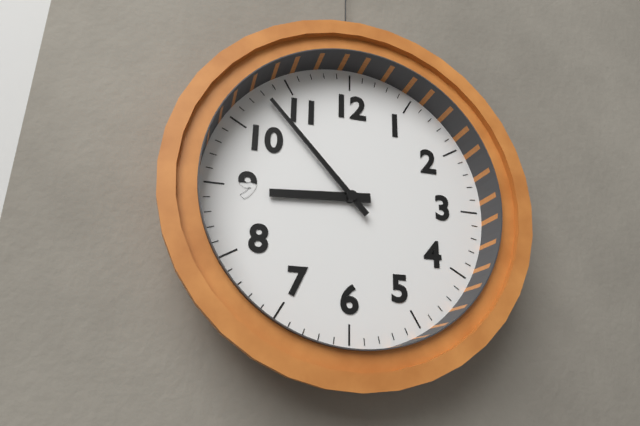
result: **8:53**
